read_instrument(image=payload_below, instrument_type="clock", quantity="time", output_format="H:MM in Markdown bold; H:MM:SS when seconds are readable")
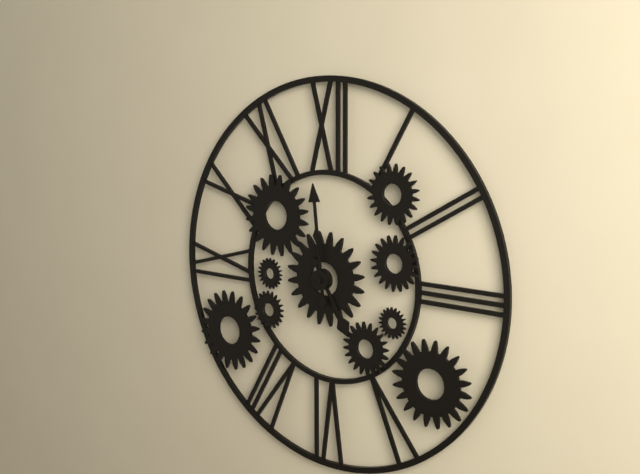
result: **4:59**
